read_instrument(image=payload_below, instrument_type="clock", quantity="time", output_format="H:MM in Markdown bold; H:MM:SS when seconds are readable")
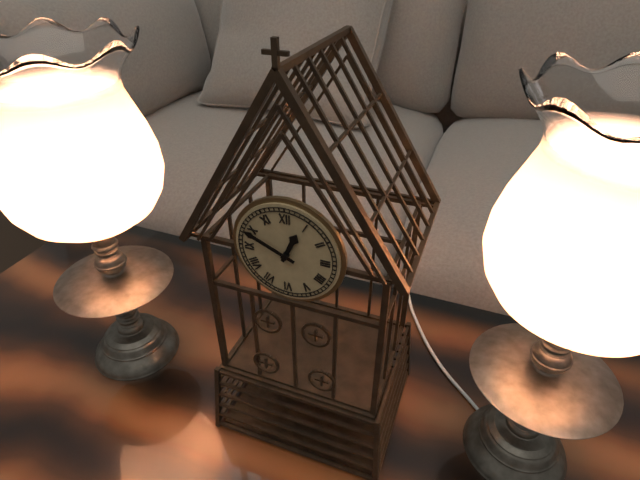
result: **12:49**
